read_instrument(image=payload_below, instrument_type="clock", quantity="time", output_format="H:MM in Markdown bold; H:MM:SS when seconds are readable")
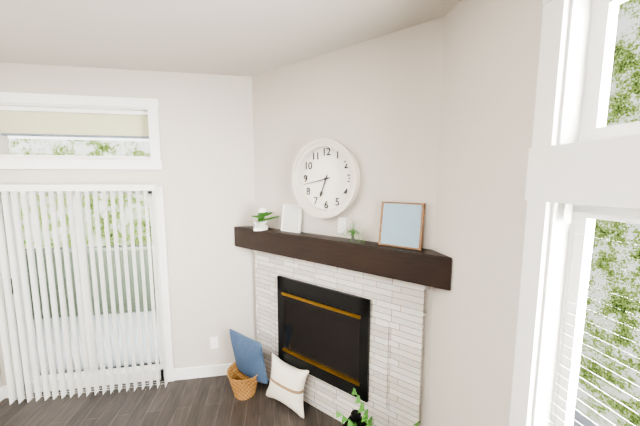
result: **6:43**
